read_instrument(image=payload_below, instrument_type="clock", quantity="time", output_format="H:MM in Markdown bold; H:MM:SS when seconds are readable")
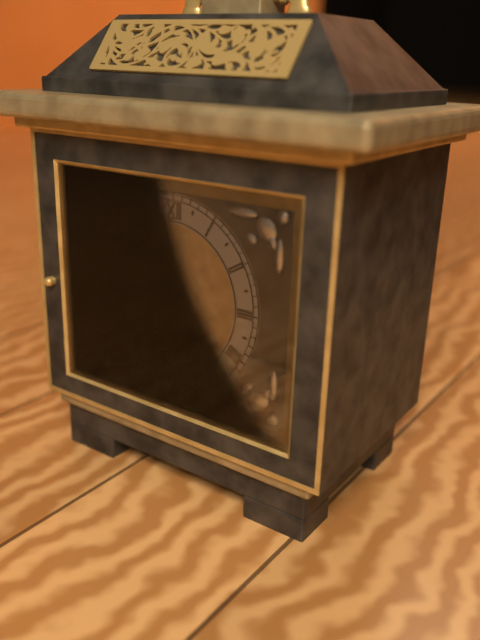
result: **4:31**
